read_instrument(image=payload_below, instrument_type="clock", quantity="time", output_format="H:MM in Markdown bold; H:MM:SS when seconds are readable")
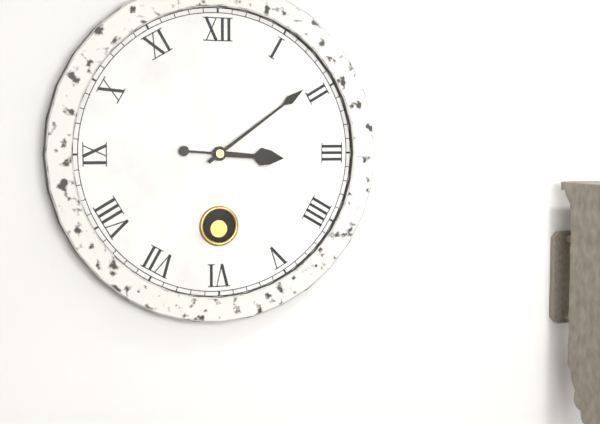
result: **3:09**
